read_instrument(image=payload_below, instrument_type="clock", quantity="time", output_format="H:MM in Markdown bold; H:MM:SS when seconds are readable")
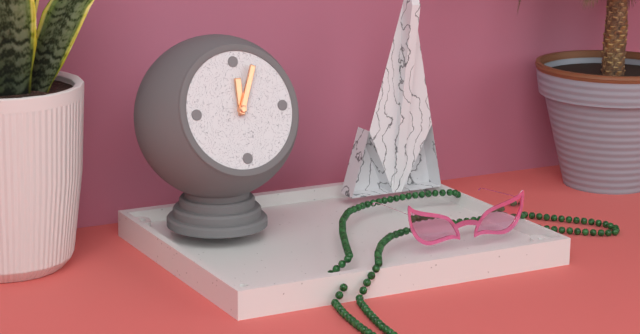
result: **12:04**
